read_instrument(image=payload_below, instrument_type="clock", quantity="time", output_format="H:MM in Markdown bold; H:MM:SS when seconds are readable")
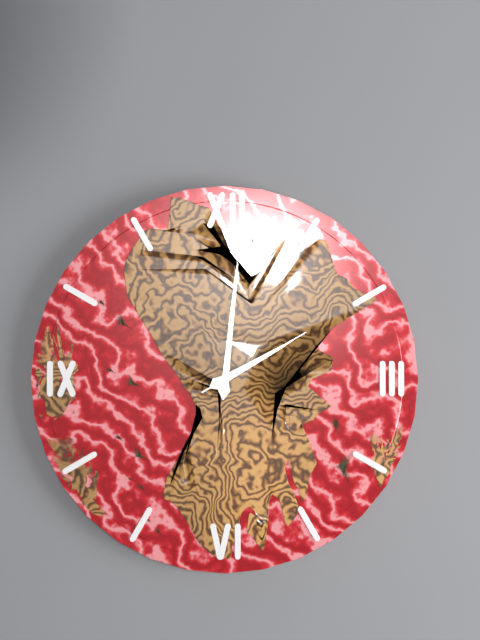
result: **2:01:10**
